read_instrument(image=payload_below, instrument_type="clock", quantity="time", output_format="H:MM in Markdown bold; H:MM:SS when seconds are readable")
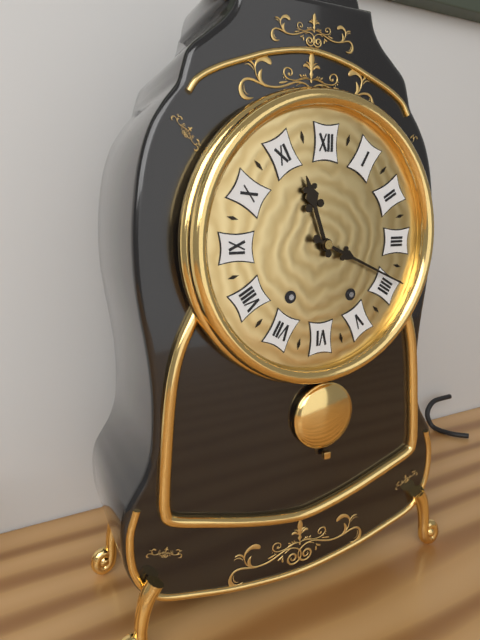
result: **11:19**
